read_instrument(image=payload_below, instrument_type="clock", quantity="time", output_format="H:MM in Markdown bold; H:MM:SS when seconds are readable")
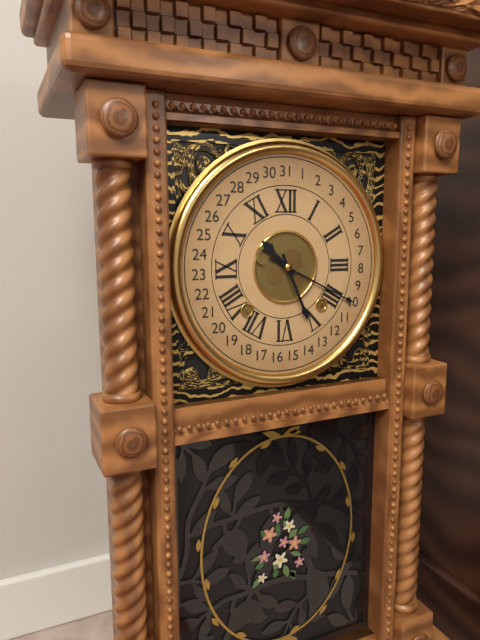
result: **10:26**
